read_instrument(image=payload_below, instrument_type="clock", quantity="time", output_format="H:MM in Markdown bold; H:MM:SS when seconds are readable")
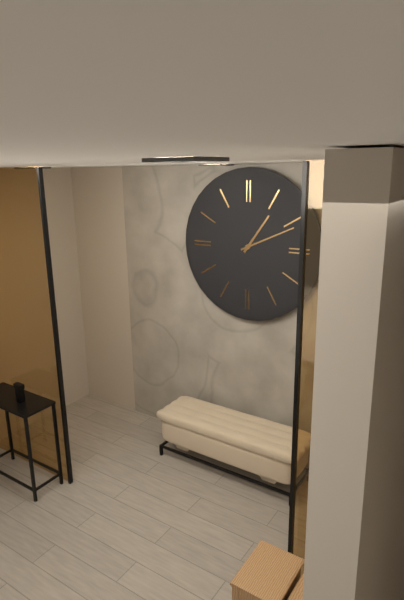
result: **1:11**
